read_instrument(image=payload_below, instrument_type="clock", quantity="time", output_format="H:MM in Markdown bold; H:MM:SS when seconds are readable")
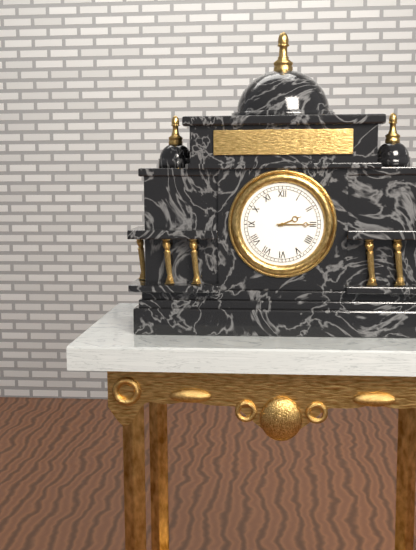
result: **2:15**
